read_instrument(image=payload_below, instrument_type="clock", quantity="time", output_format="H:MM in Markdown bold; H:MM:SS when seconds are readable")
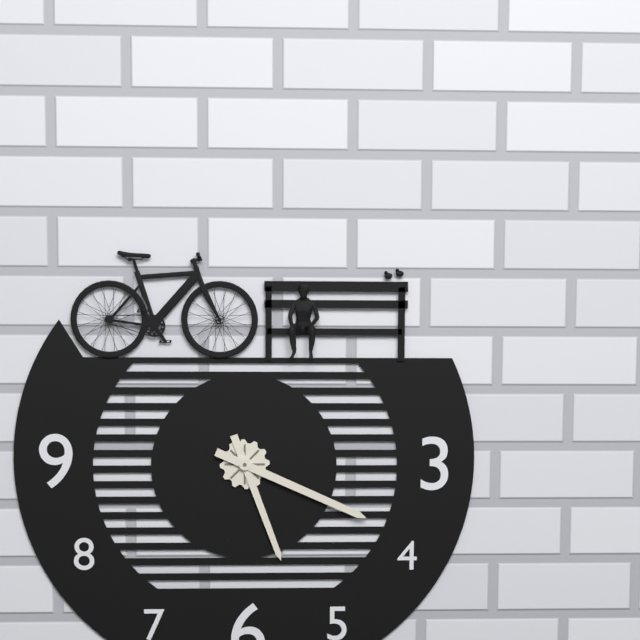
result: **5:19**
